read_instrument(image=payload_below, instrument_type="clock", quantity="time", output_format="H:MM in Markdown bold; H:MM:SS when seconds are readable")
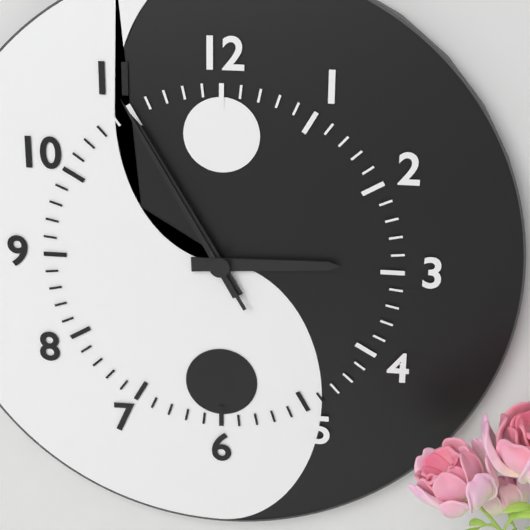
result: **2:55:55**
